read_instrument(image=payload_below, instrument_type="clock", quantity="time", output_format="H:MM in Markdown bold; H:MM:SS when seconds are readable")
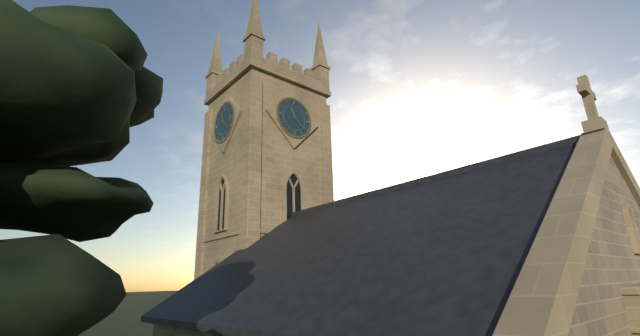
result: **11:22**
